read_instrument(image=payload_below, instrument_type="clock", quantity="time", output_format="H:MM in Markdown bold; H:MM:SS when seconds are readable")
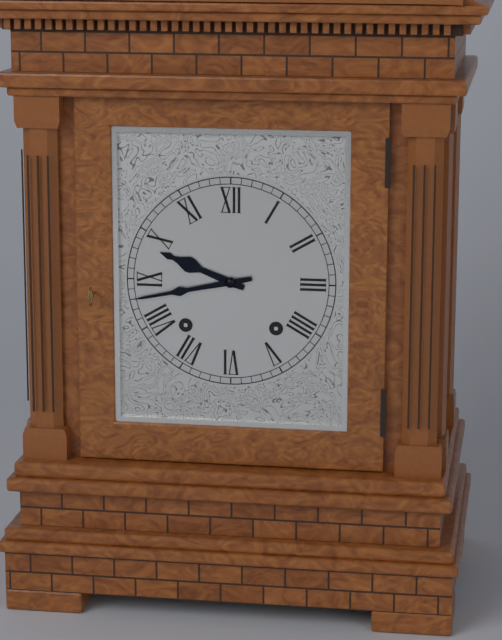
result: **9:43**
